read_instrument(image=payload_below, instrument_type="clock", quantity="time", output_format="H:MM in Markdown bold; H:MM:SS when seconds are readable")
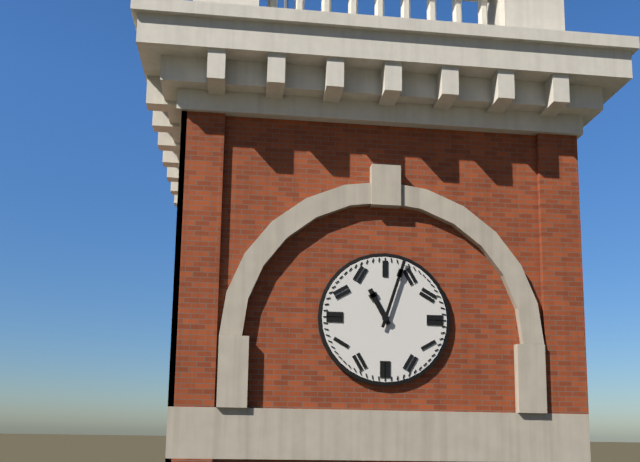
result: **11:03**
